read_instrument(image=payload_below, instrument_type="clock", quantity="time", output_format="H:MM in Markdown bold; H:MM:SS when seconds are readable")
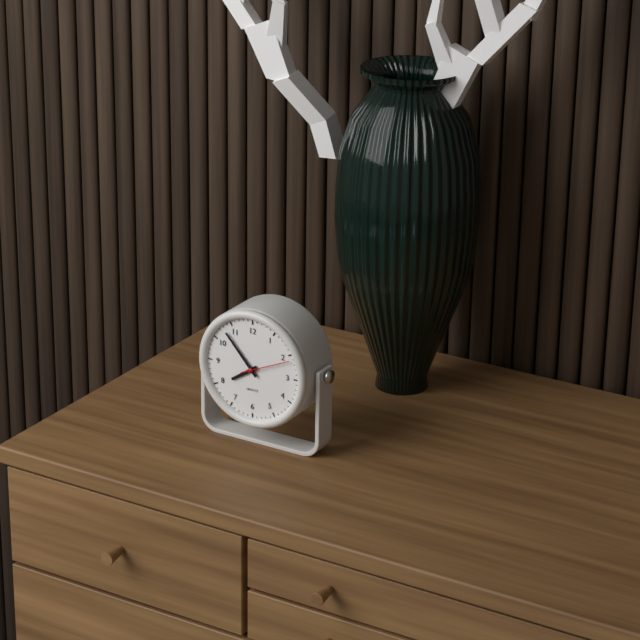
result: **7:53**
